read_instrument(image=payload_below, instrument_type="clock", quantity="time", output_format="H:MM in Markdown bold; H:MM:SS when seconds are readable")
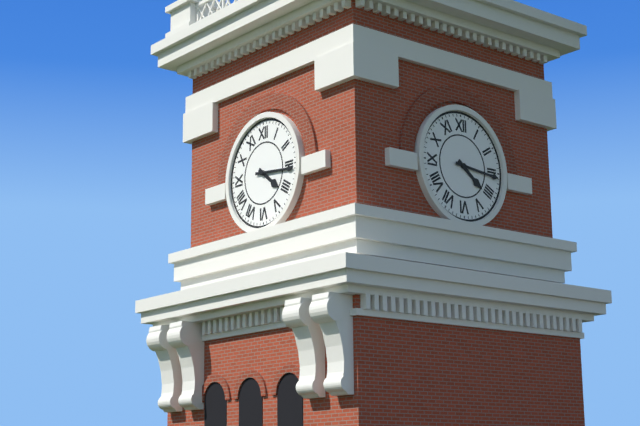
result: **4:16**
